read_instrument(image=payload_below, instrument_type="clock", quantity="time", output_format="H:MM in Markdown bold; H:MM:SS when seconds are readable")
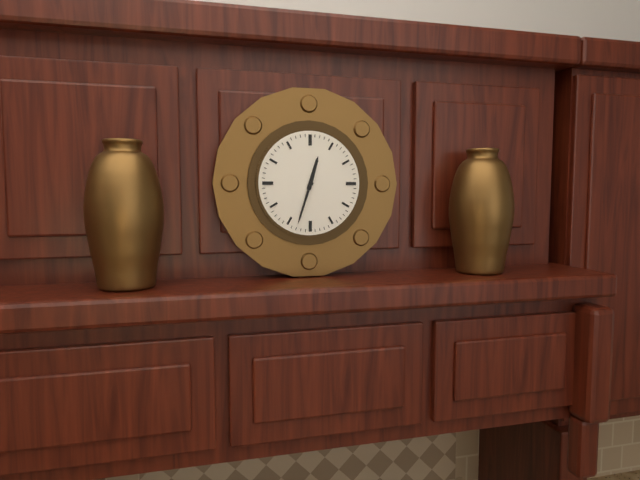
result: **12:33**
